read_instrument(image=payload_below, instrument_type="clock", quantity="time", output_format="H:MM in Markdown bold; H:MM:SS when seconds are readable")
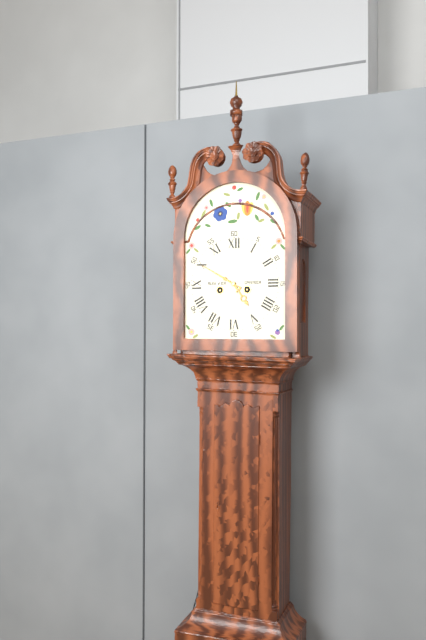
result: **4:50**
